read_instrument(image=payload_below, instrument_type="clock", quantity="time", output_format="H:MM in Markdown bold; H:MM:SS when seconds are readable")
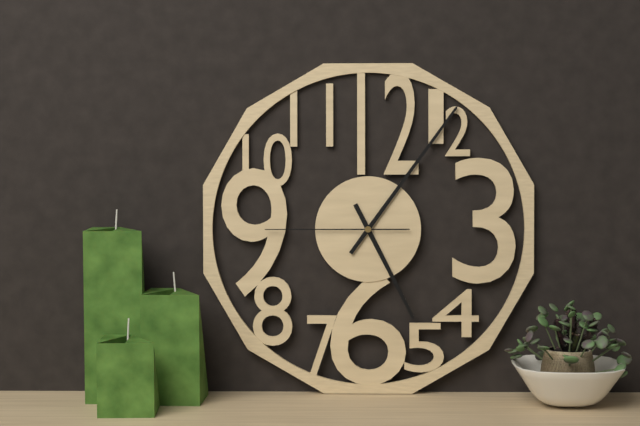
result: **5:06:45**
